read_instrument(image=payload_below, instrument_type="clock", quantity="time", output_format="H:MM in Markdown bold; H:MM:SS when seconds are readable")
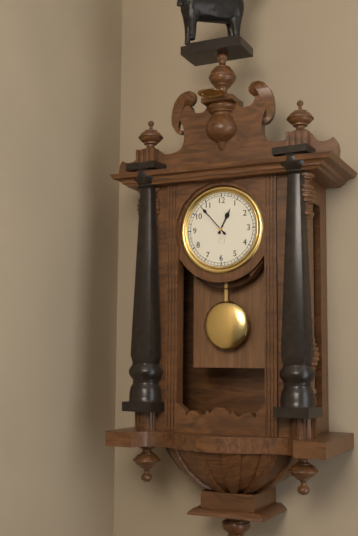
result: **12:53**
